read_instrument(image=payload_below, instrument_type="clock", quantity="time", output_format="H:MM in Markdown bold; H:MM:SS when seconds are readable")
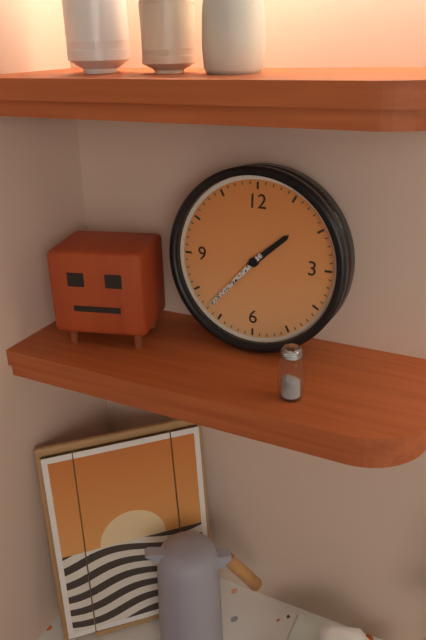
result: **1:37**
